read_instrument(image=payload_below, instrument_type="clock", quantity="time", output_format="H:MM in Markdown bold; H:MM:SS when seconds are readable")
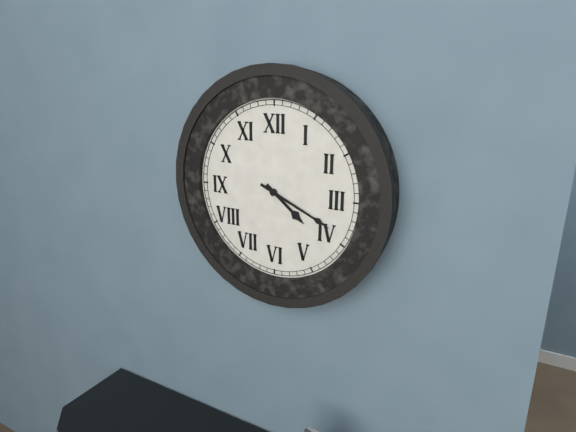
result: **4:19**
